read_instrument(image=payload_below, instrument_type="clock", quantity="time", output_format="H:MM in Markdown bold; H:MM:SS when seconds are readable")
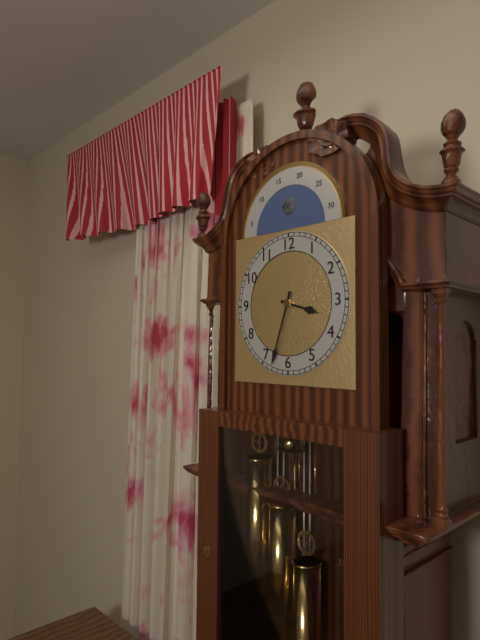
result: **3:33**
